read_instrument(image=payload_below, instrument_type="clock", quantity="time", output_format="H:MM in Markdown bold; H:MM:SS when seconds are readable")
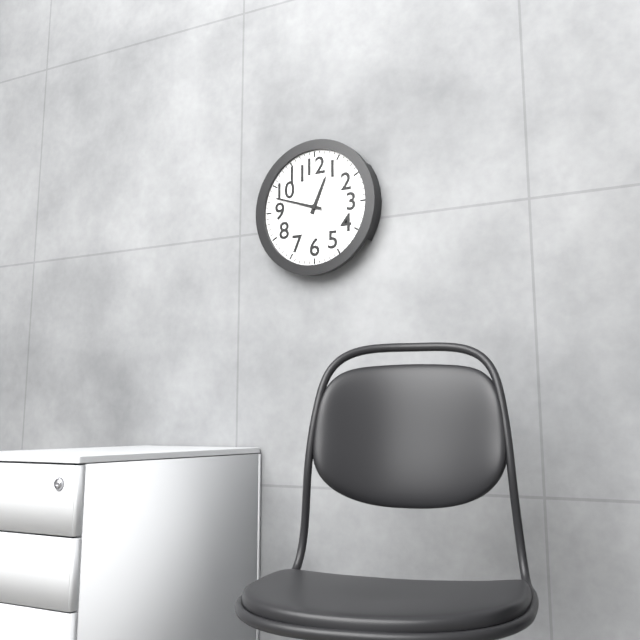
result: **12:48**
